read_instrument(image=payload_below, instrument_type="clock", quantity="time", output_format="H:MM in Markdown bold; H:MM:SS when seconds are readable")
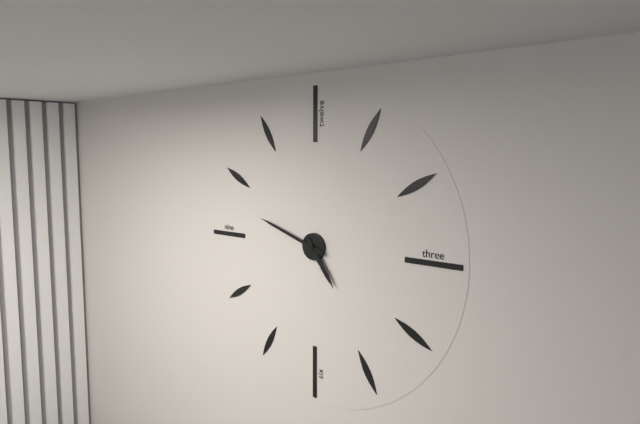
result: **4:48**
